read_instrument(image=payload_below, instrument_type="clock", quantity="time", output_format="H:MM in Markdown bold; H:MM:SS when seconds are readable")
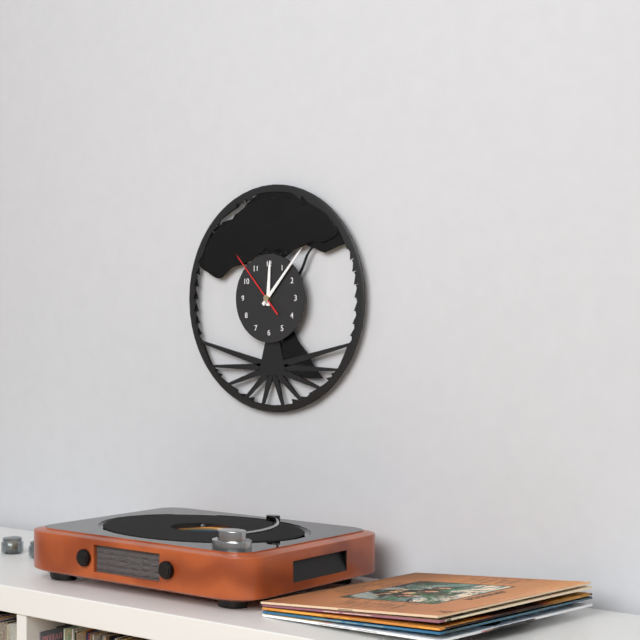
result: **12:07:53**
